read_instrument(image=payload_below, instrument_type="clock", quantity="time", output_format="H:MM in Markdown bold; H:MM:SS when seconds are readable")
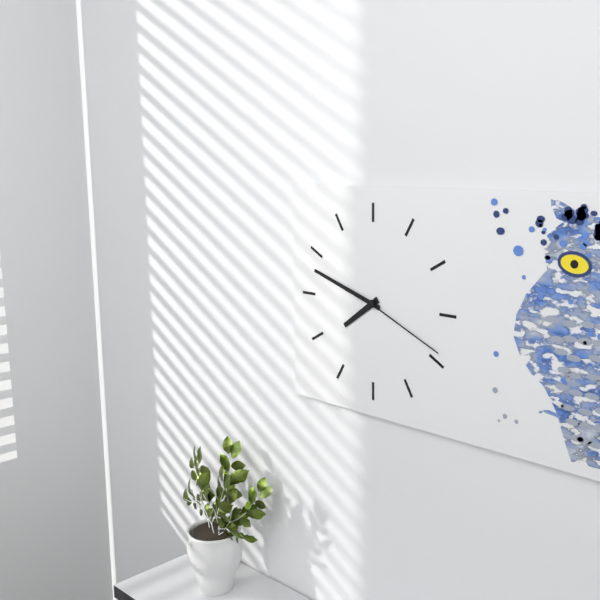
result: **7:48:19**
